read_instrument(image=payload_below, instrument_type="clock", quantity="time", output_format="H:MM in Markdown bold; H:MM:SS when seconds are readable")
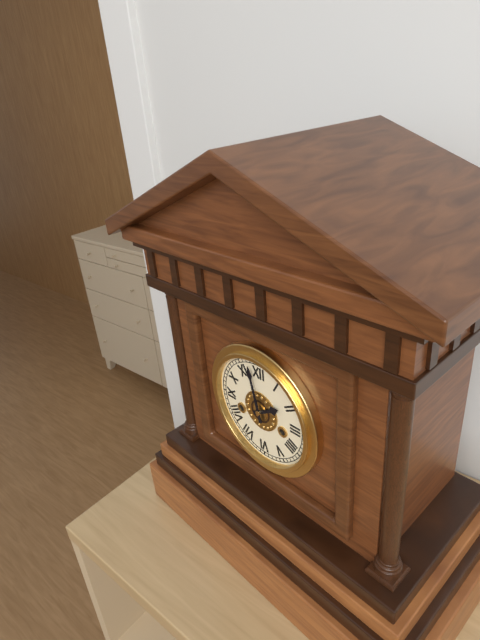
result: **1:58**
